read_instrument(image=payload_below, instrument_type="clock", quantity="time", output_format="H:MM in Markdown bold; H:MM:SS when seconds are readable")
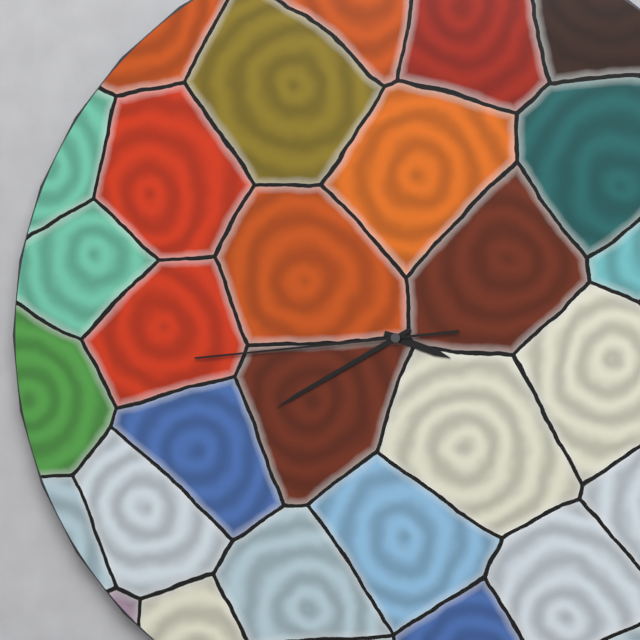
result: **3:40:44**
